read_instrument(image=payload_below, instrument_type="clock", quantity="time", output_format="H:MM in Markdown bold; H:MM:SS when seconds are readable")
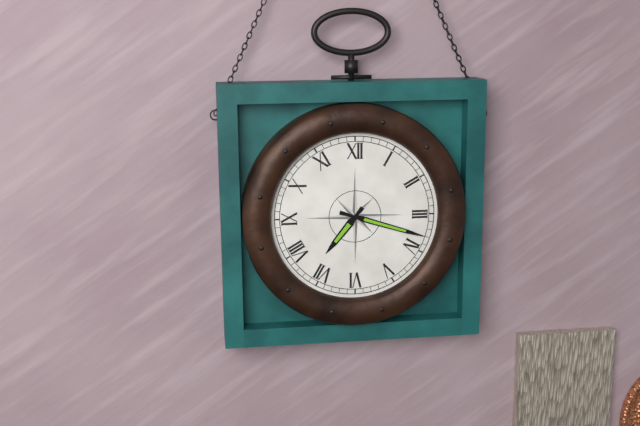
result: **7:18**
